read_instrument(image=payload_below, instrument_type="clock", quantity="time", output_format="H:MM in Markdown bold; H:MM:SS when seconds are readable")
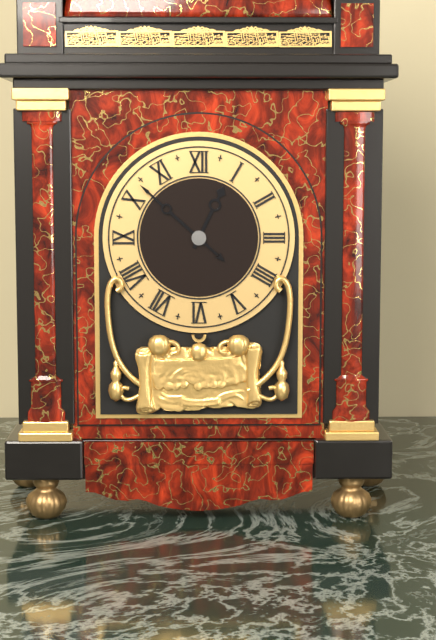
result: **12:52**
